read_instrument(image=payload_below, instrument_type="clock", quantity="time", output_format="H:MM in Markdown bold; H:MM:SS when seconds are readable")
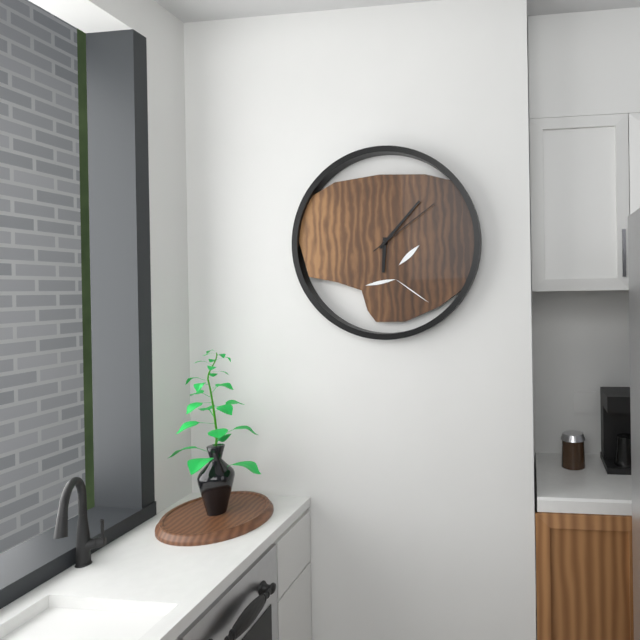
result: **6:07:09**
